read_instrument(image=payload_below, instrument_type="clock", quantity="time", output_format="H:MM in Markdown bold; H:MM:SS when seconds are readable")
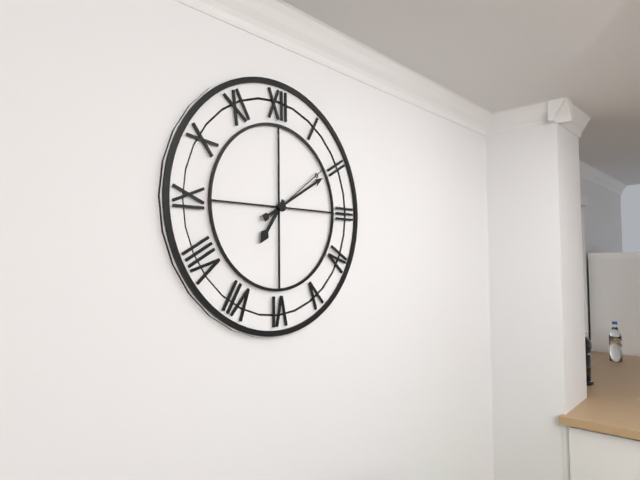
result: **7:10:09**
